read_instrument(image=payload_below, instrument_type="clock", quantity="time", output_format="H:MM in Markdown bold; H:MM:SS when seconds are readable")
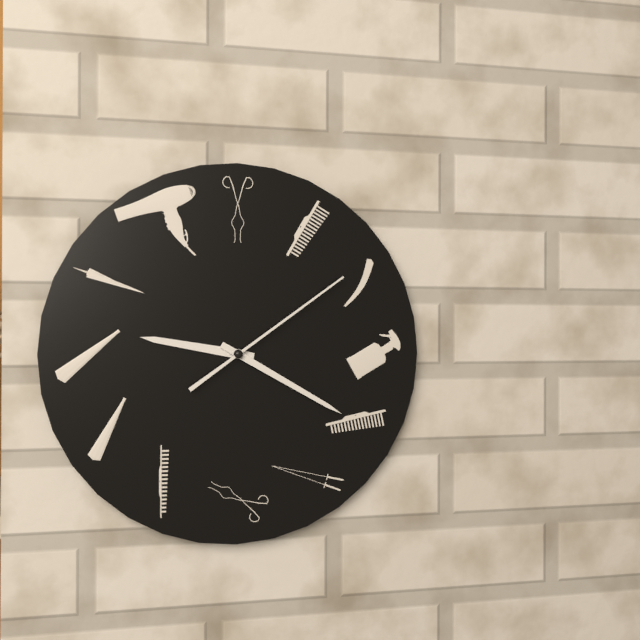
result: **9:20:09**
